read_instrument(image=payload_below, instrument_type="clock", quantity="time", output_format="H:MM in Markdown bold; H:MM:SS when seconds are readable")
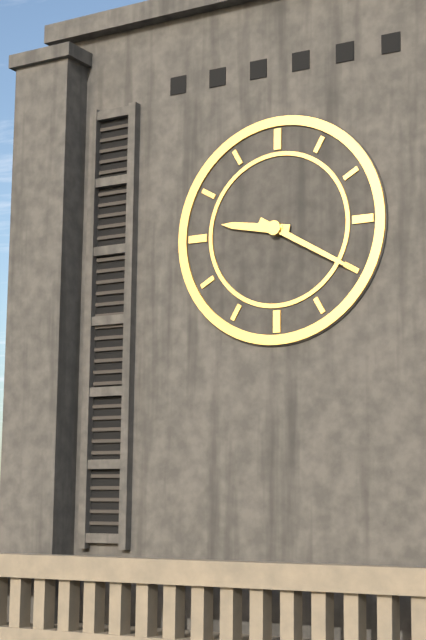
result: **9:20**
